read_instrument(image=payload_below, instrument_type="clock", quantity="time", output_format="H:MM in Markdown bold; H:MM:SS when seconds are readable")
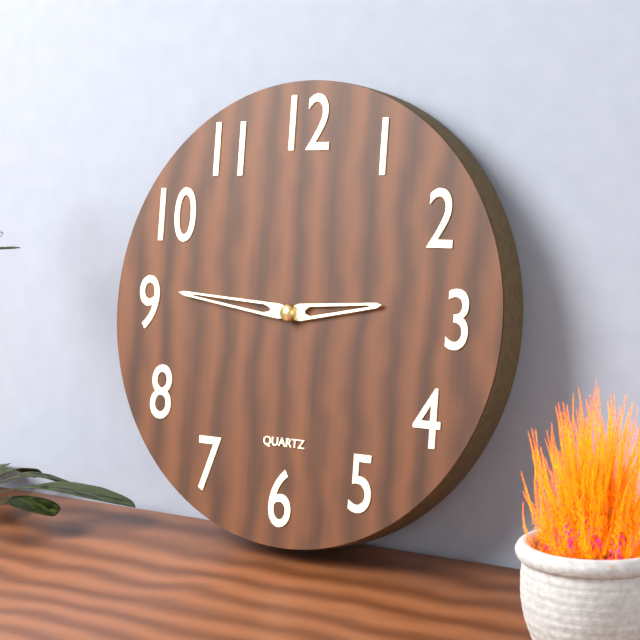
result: **2:46**
